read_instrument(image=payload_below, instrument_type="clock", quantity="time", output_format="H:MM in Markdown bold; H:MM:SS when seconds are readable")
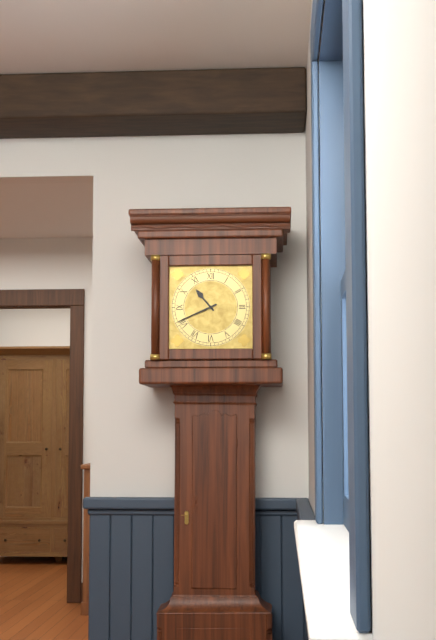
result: **10:41**
